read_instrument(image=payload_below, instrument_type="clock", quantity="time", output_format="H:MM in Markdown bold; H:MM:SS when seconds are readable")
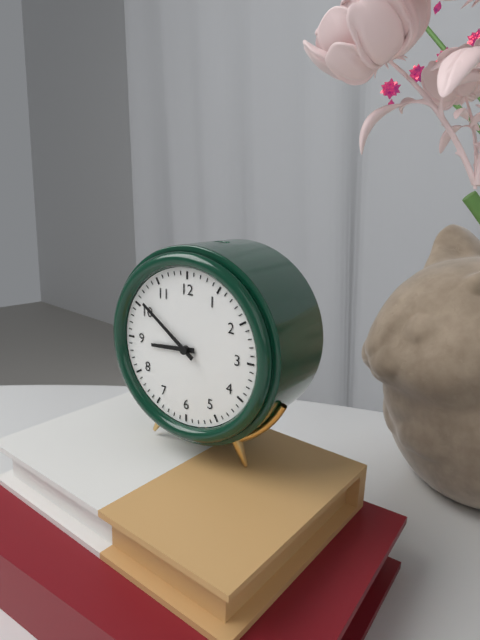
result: **8:51**
